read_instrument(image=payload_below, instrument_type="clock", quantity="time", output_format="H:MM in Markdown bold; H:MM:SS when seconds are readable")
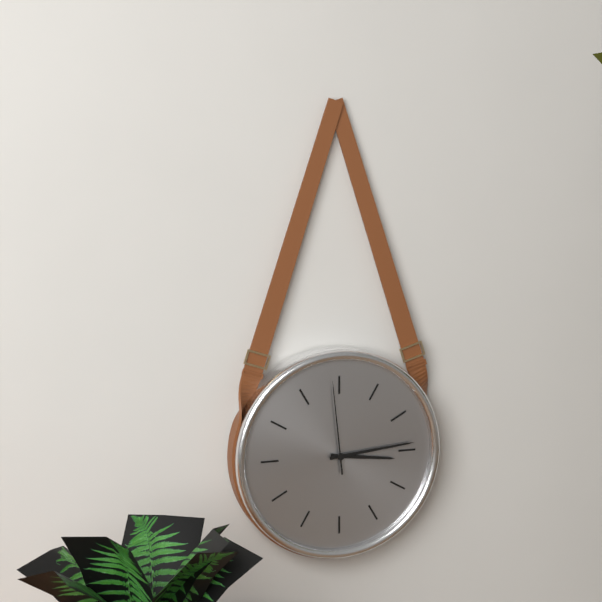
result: **3:14:59**
